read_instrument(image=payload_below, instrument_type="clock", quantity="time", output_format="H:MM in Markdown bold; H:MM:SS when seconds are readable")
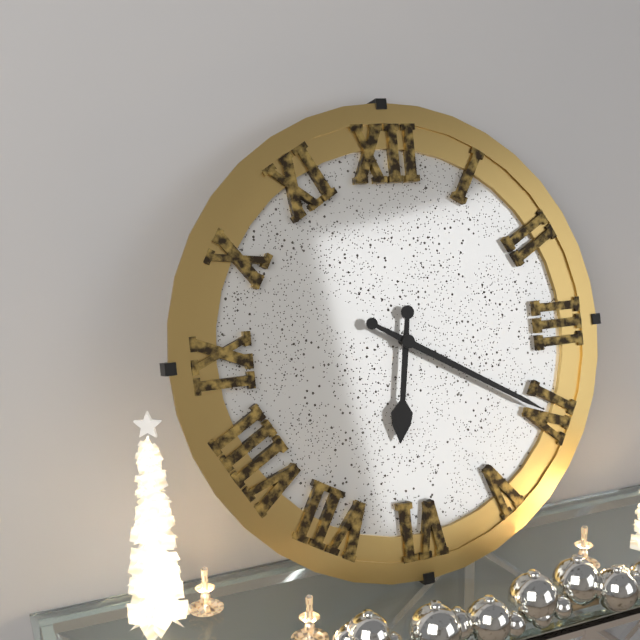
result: **6:20**
